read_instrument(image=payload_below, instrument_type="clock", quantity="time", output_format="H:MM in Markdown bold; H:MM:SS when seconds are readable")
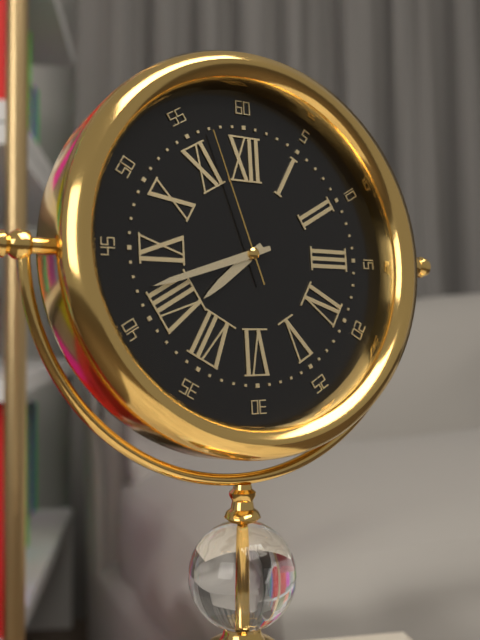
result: **7:42:57**
